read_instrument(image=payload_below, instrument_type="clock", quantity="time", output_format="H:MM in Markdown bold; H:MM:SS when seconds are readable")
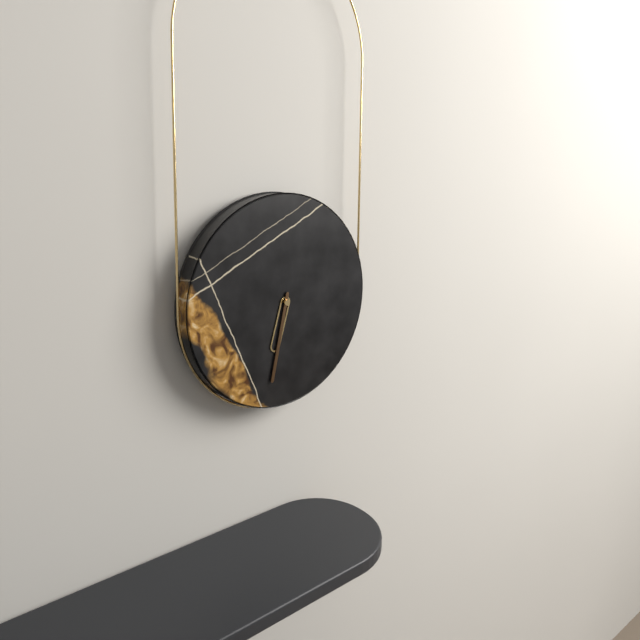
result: **6:32**
